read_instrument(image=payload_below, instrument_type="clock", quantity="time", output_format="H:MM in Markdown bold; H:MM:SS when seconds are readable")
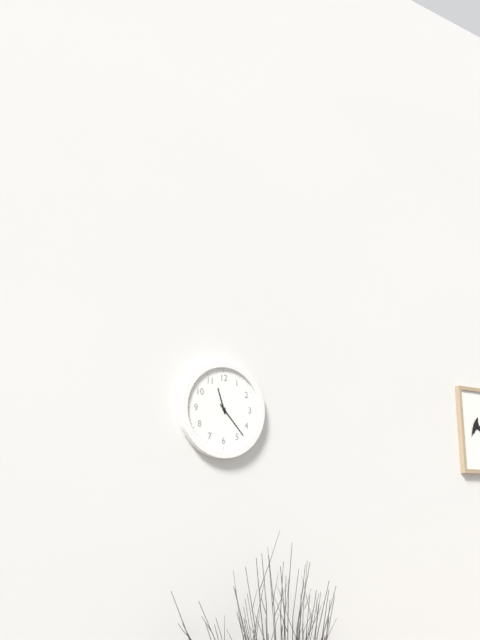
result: **11:23**
